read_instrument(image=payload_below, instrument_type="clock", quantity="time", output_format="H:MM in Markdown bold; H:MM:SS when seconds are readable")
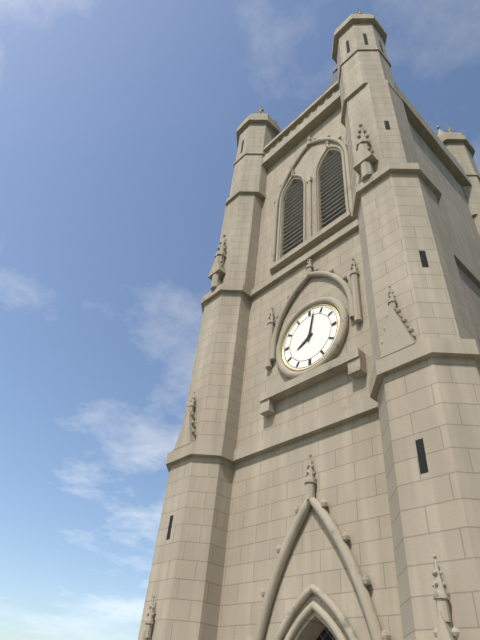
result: **8:02**
